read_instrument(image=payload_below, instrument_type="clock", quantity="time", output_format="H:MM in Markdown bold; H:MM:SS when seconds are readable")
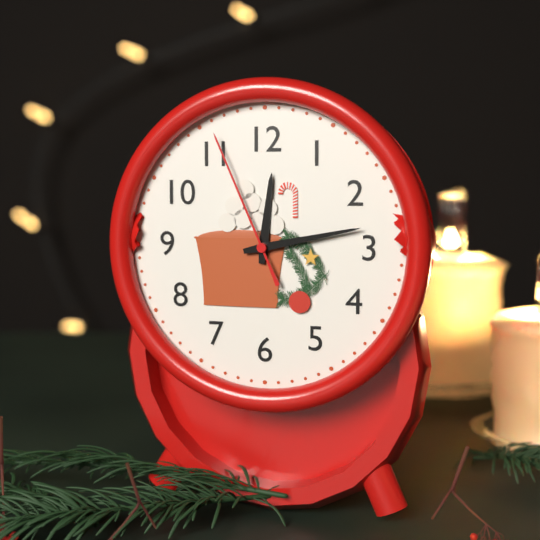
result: **12:13:56**
